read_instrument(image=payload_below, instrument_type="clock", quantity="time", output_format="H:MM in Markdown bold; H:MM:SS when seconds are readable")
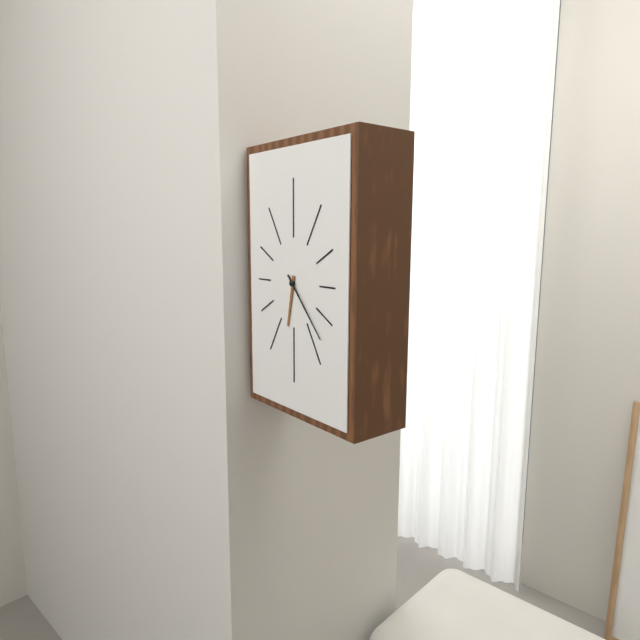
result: **6:23**
